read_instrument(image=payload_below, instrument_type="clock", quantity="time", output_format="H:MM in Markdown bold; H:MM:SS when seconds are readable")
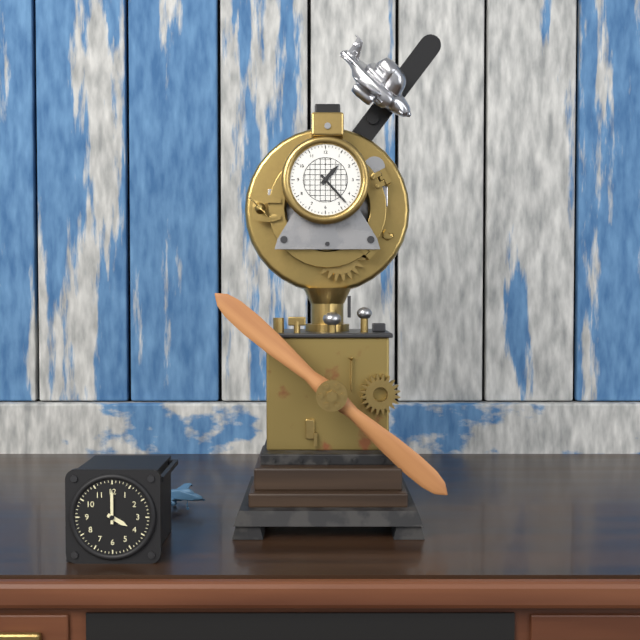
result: **1:23**
